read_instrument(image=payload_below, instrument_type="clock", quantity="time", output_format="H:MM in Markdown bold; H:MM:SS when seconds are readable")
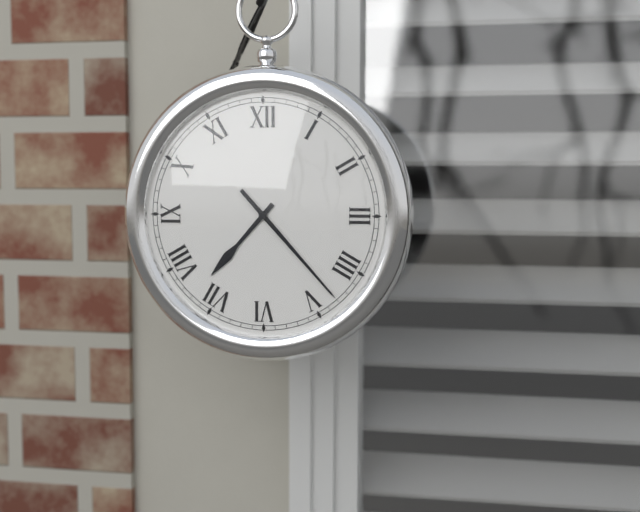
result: **7:23**
